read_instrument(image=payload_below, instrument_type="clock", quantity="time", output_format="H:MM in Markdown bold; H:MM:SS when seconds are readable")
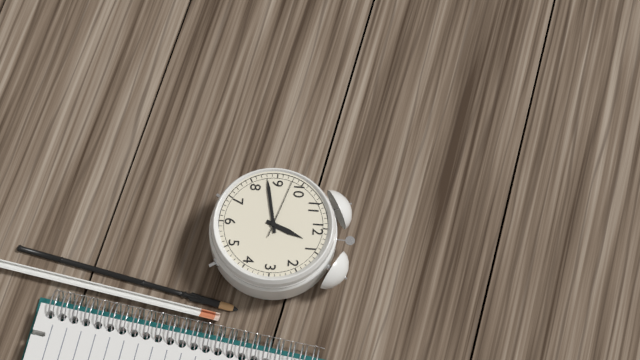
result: **12:43:48**
